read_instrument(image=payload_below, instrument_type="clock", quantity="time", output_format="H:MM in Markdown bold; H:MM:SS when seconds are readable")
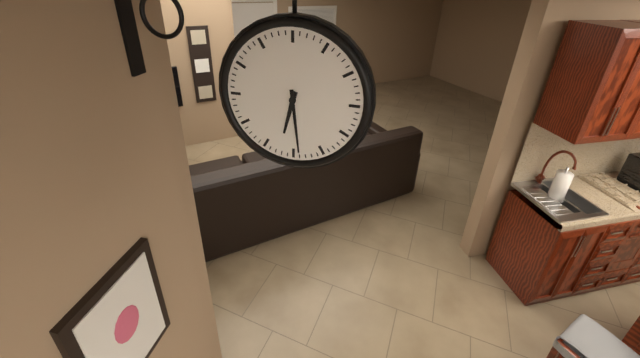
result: **6:29**
